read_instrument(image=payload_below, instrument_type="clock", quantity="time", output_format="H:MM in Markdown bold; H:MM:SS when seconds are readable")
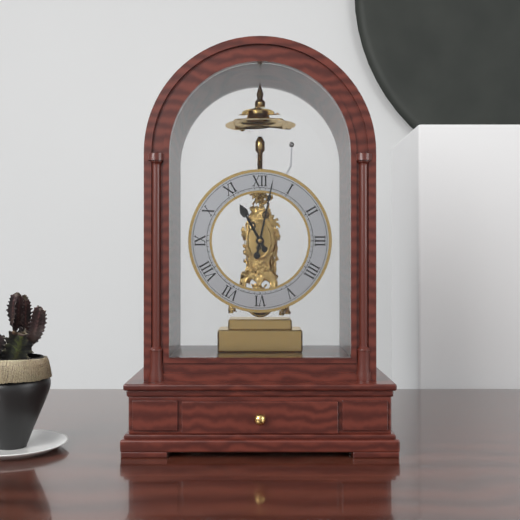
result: **11:02**
